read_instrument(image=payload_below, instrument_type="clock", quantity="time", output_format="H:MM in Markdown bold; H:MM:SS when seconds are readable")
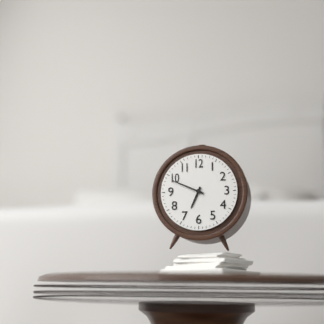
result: **6:49**
